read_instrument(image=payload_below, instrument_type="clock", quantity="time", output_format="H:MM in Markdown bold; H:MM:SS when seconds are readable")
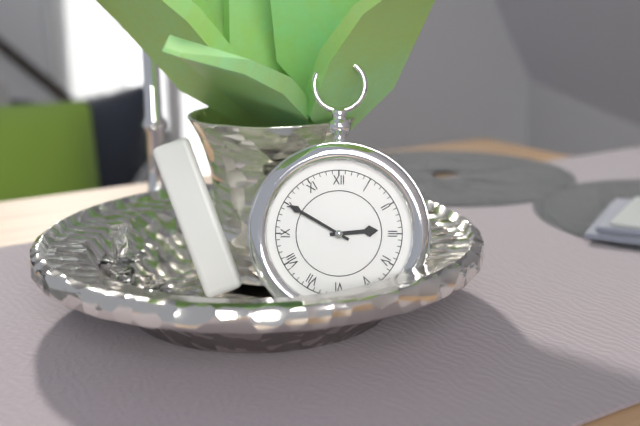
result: **2:50**
